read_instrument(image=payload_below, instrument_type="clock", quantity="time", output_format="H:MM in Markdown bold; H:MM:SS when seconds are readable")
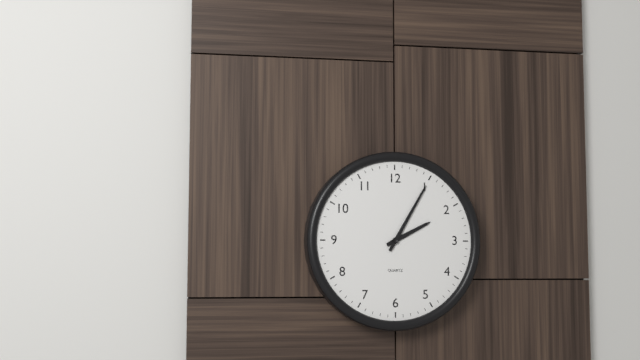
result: **2:05**
